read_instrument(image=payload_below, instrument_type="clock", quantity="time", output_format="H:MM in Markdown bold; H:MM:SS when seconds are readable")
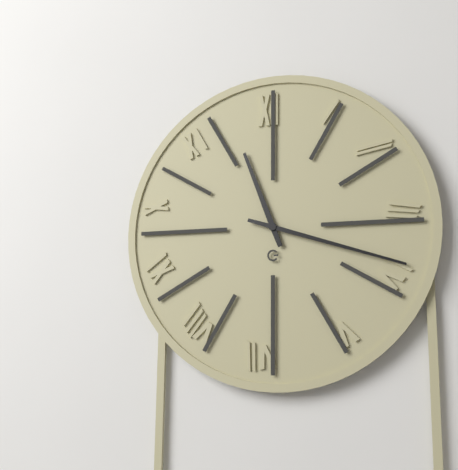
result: **11:18**
